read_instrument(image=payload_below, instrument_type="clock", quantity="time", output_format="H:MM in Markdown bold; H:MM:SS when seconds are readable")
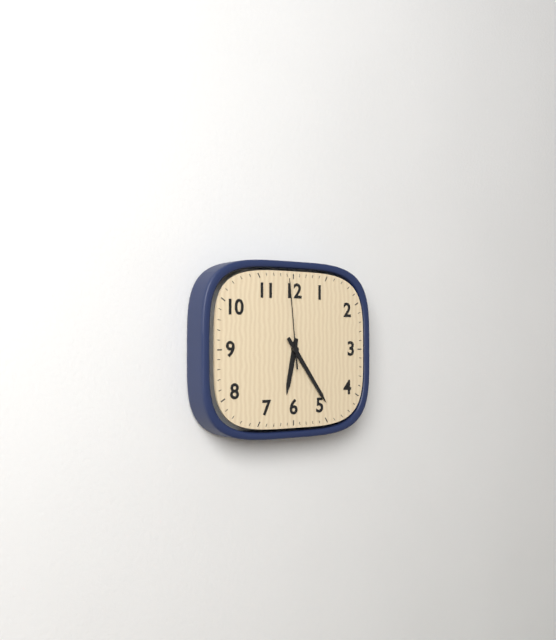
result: **6:24:59**
